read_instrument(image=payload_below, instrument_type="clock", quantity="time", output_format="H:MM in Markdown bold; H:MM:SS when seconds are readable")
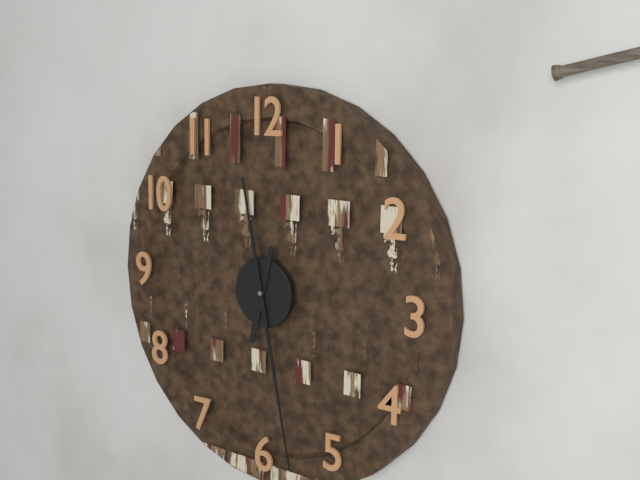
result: **6:28**
